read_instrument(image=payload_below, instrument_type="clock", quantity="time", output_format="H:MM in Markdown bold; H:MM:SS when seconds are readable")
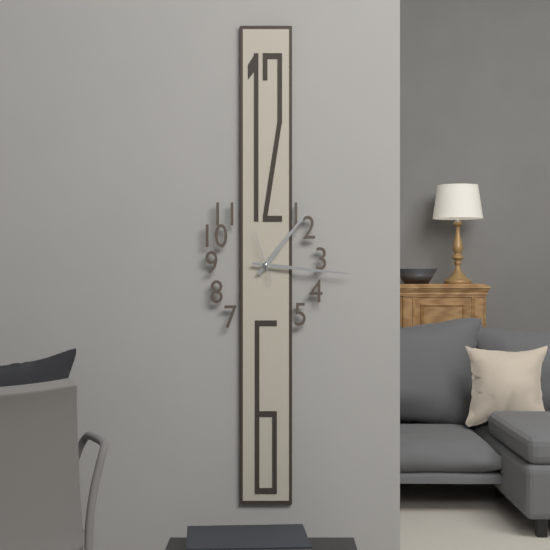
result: **1:16**
